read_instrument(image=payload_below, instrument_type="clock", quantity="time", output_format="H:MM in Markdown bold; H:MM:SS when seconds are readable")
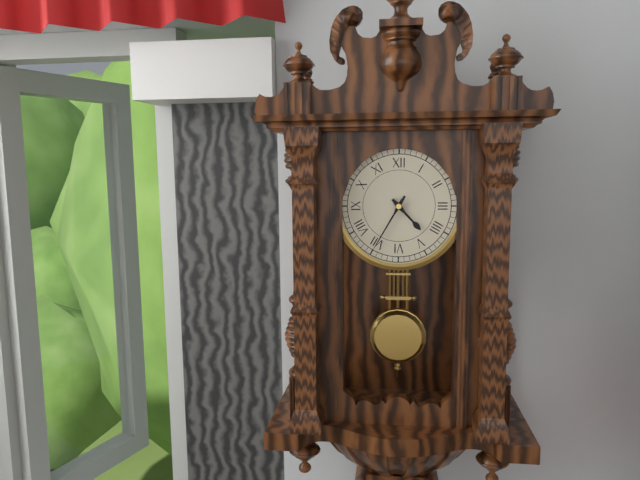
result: **4:35**
